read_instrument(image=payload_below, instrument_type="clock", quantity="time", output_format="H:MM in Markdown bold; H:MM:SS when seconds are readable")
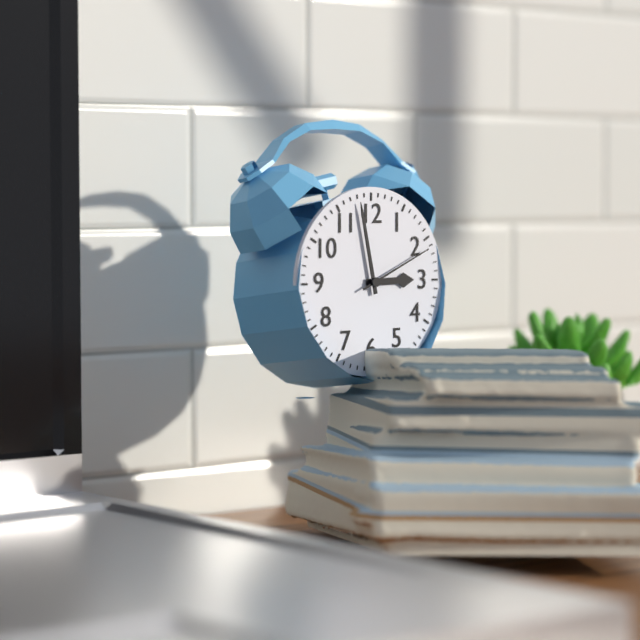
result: **2:58:11**
